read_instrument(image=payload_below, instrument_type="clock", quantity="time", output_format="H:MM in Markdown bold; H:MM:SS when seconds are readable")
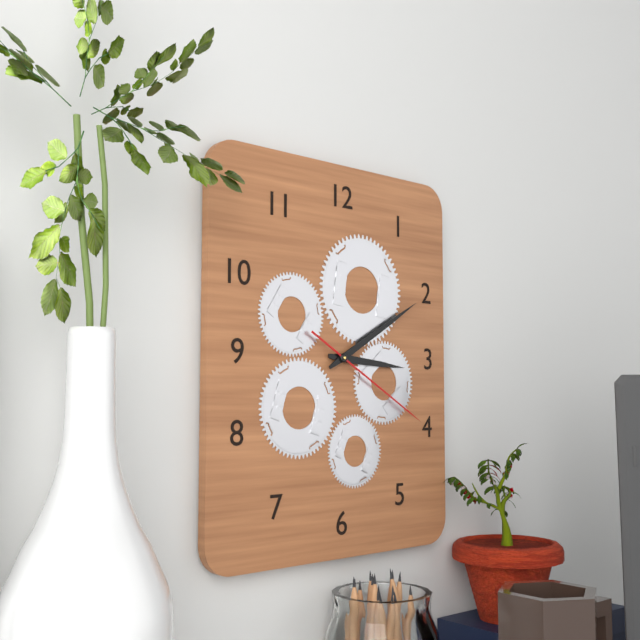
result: **3:10:20**
